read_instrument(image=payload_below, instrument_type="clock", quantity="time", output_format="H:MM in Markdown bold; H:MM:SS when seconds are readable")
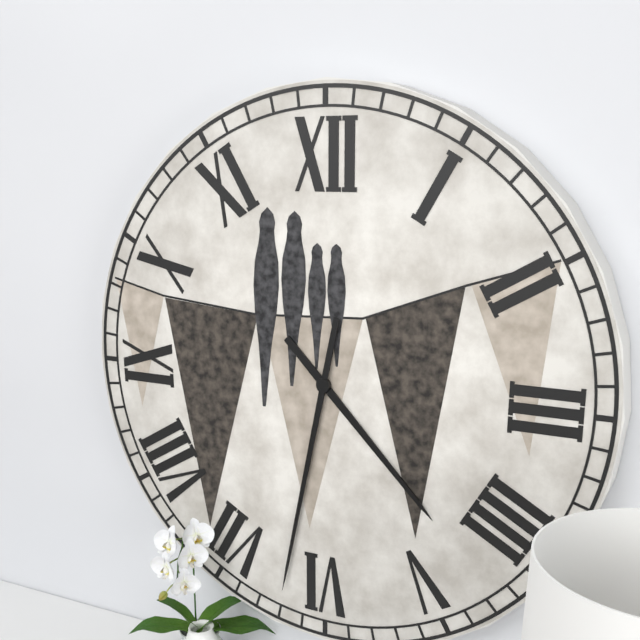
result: **4:32**
